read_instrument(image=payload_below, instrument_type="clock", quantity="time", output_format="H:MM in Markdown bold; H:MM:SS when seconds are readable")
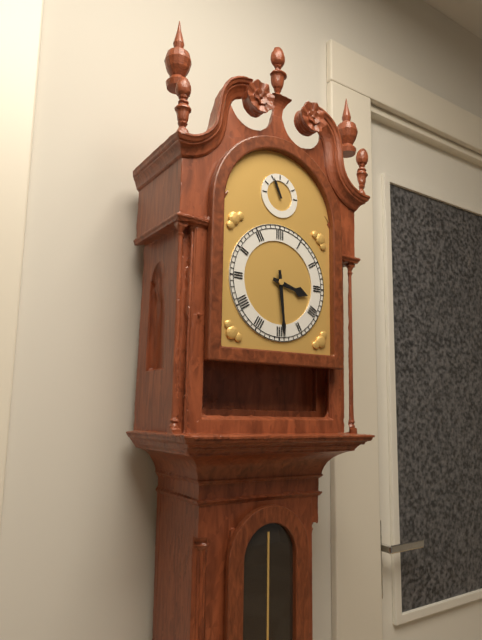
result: **3:29**
